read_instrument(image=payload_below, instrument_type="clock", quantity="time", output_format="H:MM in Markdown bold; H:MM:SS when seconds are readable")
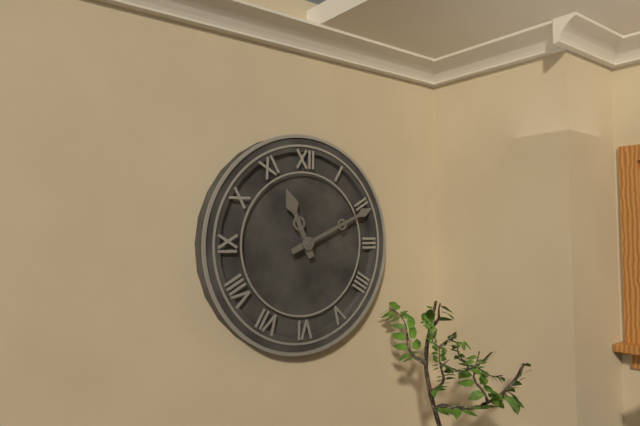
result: **11:11**
